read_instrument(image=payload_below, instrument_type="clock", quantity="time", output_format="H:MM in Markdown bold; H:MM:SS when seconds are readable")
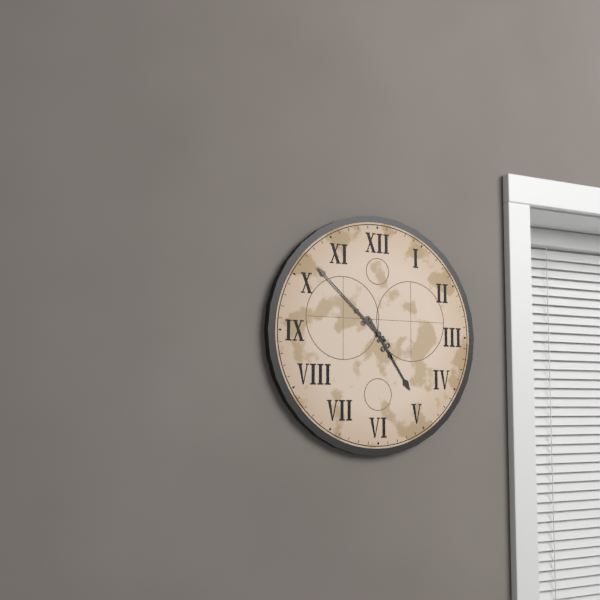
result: **4:52**
